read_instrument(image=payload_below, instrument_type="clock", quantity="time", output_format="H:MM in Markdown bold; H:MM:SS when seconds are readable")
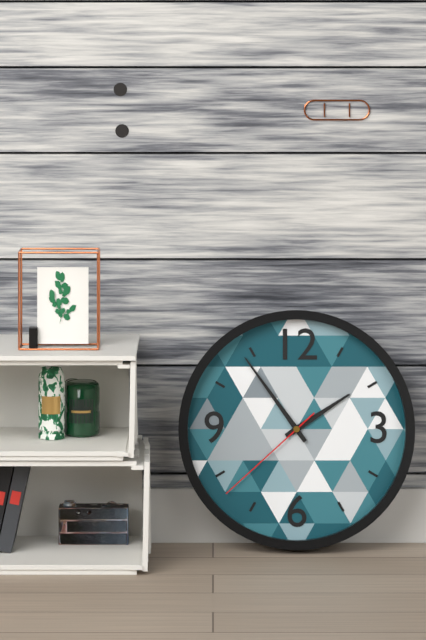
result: **1:54:38**
